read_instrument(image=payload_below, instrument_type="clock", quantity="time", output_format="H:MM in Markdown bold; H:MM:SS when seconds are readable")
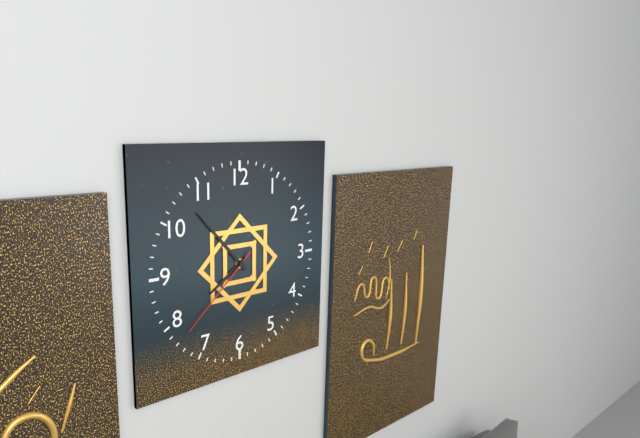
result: **7:53:38**
